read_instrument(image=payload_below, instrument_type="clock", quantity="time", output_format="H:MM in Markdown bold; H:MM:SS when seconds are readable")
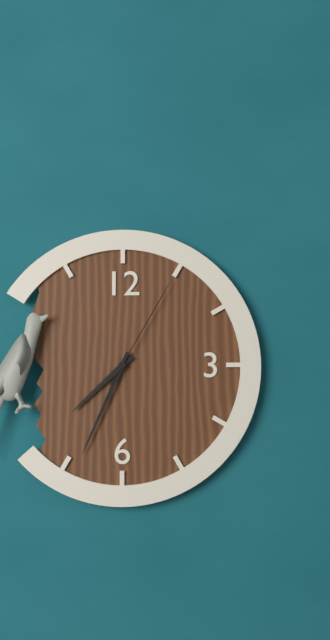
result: **7:34:05**
